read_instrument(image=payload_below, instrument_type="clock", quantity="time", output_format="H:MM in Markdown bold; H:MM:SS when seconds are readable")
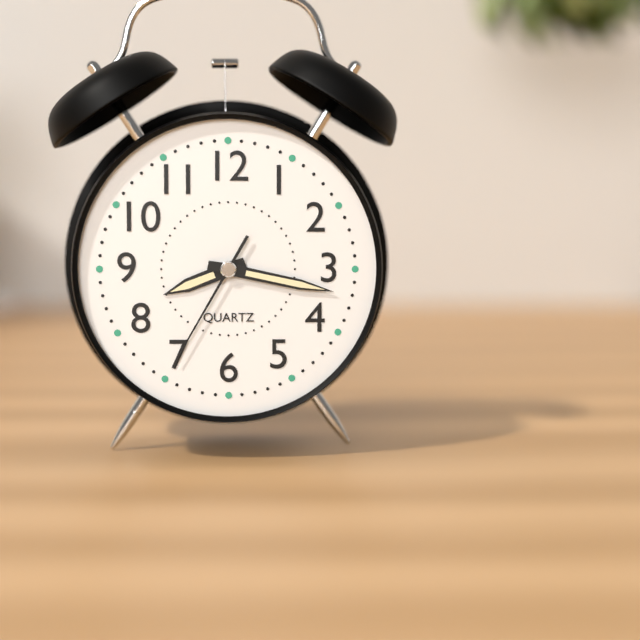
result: **8:17:35**
